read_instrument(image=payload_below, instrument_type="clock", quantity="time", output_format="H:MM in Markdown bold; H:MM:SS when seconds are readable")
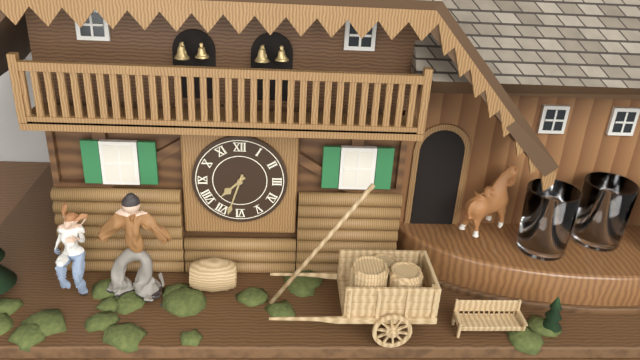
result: **7:33**
